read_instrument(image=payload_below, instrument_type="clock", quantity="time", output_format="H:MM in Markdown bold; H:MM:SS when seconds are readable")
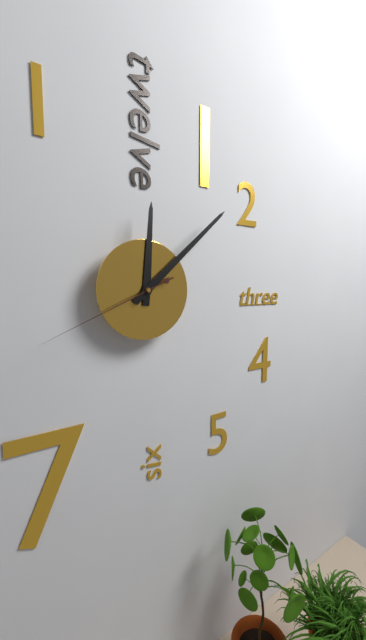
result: **12:08:41**
